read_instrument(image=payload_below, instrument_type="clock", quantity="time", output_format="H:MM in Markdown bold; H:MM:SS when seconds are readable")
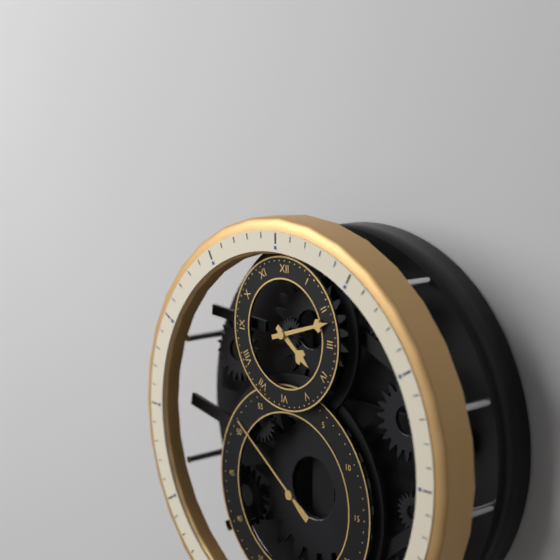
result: **4:12:51**
